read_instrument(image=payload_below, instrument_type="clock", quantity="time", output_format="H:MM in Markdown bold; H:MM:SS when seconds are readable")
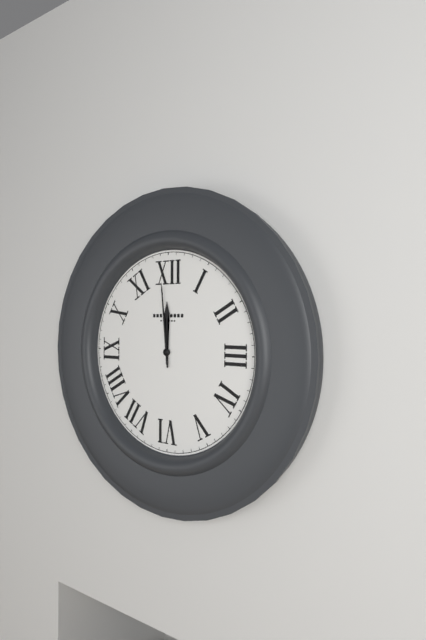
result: **11:59**
